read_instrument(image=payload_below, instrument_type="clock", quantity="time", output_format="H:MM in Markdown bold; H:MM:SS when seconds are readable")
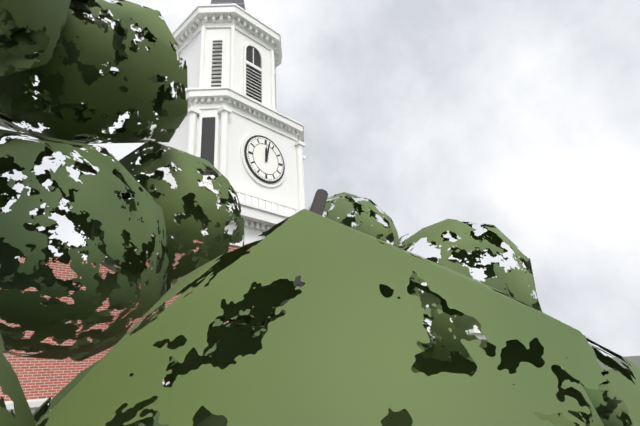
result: **12:02**
